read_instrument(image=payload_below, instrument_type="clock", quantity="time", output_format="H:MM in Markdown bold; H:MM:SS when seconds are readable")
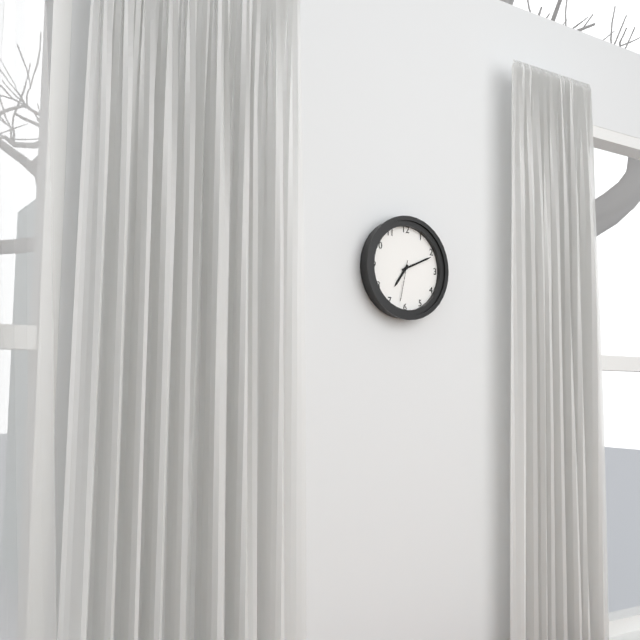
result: **7:11**
